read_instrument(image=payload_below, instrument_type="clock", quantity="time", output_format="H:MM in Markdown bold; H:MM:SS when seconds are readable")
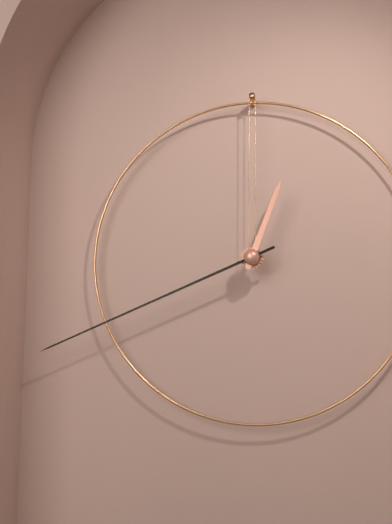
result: **12:41**
